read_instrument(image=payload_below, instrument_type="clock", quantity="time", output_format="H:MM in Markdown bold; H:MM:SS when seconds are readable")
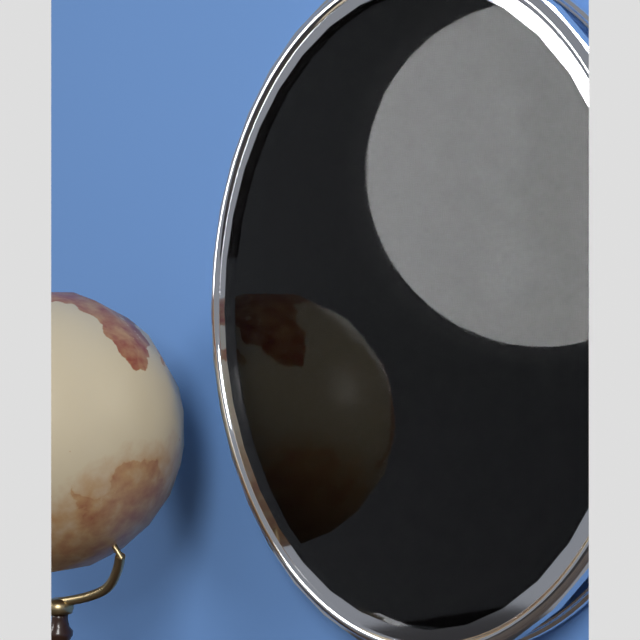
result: **2:27**
